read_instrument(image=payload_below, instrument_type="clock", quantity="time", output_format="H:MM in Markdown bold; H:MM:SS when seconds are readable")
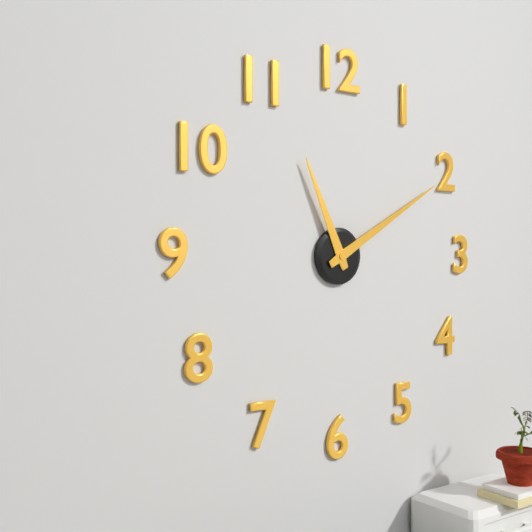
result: **11:10**
